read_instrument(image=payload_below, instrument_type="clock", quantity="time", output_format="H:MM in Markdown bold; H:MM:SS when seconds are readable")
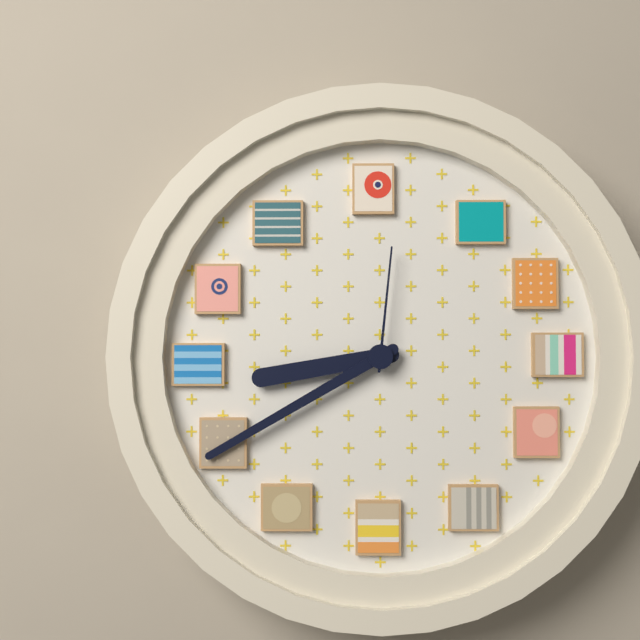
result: **8:40:01**
